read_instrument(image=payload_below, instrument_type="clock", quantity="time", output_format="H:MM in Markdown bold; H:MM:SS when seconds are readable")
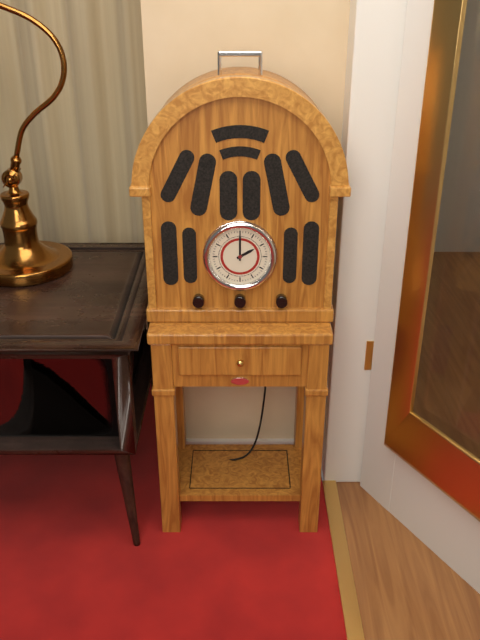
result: **2:00**
